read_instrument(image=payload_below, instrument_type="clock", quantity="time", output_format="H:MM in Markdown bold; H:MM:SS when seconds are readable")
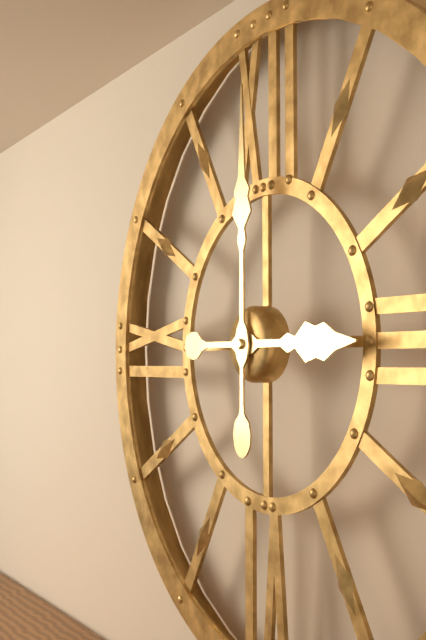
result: **3:00**
